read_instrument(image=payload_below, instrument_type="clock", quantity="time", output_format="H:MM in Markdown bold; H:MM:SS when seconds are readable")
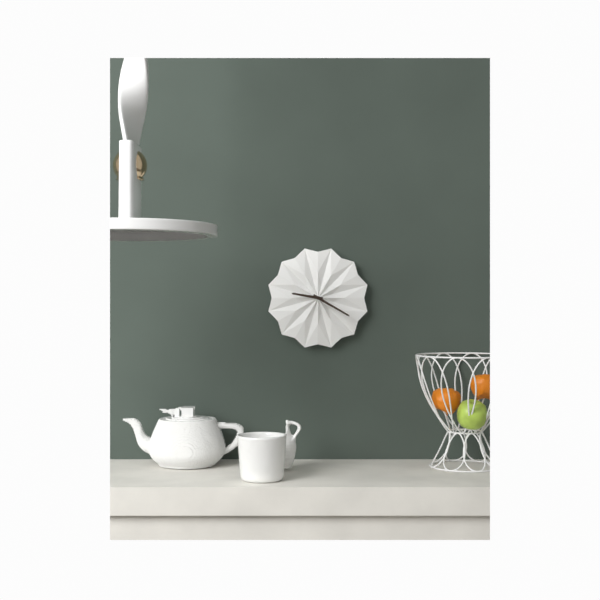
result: **9:20**
